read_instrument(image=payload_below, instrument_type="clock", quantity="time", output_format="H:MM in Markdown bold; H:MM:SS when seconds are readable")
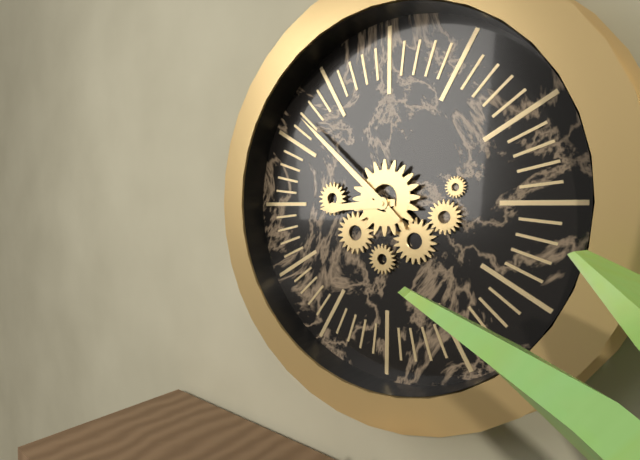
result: **8:52**
